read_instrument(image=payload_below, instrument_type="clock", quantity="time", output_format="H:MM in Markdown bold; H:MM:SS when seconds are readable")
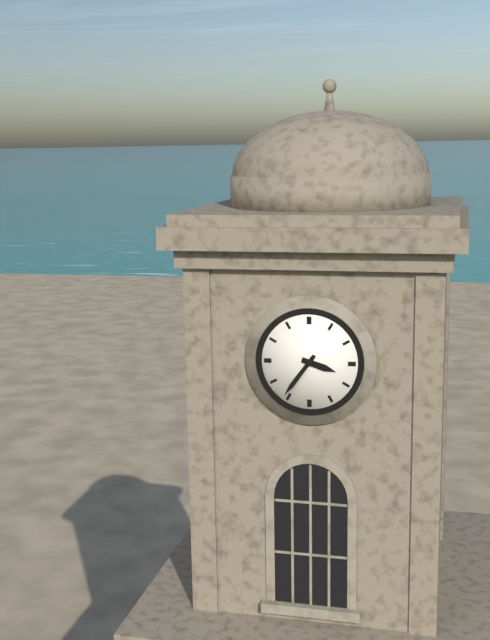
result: **3:36**
